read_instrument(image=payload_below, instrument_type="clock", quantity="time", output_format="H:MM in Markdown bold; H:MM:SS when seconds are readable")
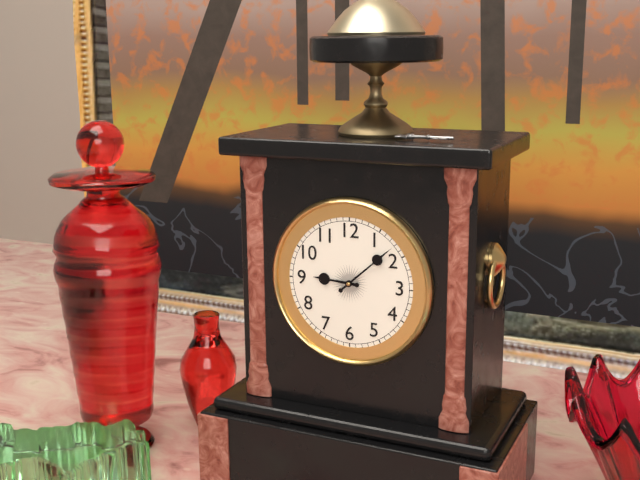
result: **9:08**
